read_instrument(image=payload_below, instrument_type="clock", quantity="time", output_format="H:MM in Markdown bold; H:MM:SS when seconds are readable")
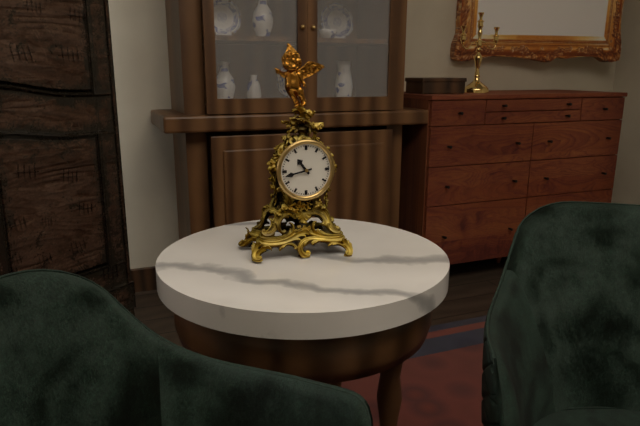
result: **10:43**
